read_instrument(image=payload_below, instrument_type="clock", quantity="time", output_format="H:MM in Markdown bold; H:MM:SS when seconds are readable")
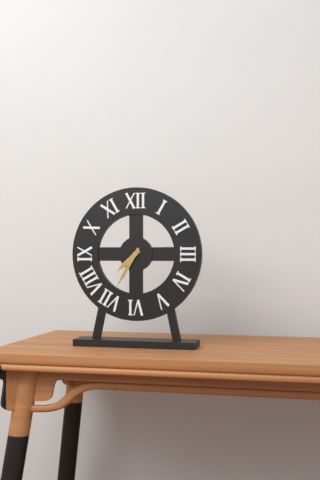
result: **7:35**
